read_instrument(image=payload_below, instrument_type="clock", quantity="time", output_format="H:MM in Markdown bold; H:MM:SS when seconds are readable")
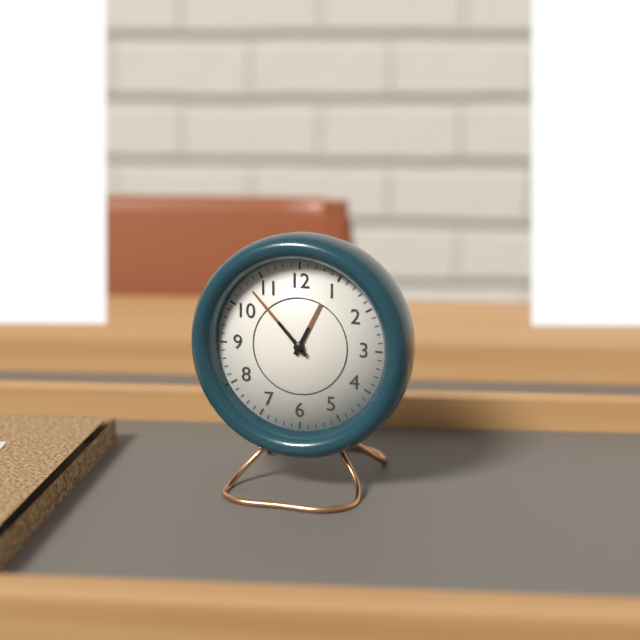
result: **12:53**
